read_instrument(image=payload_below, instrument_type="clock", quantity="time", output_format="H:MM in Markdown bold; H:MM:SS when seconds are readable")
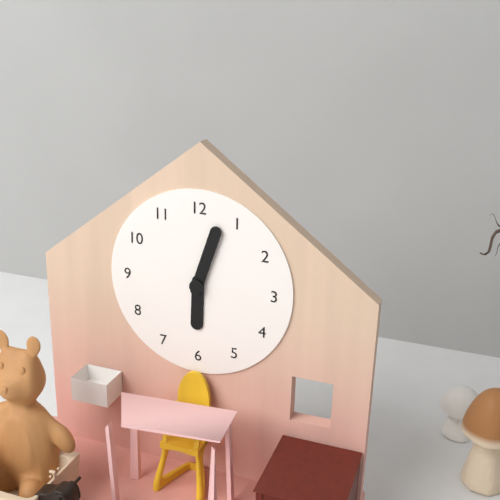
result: **6:03**
